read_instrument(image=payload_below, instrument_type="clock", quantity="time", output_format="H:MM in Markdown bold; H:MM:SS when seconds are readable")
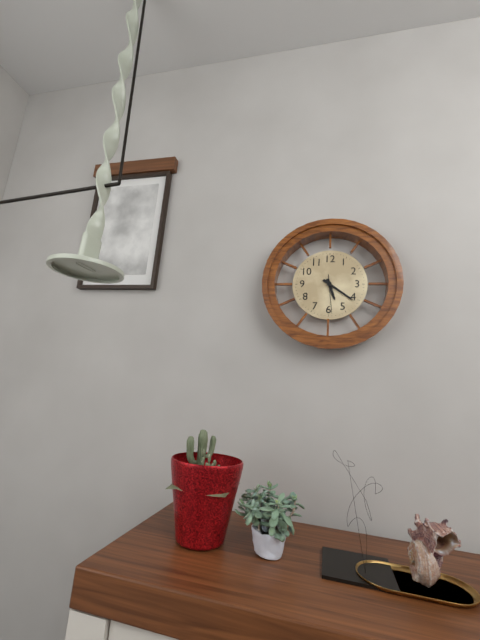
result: **5:21**
